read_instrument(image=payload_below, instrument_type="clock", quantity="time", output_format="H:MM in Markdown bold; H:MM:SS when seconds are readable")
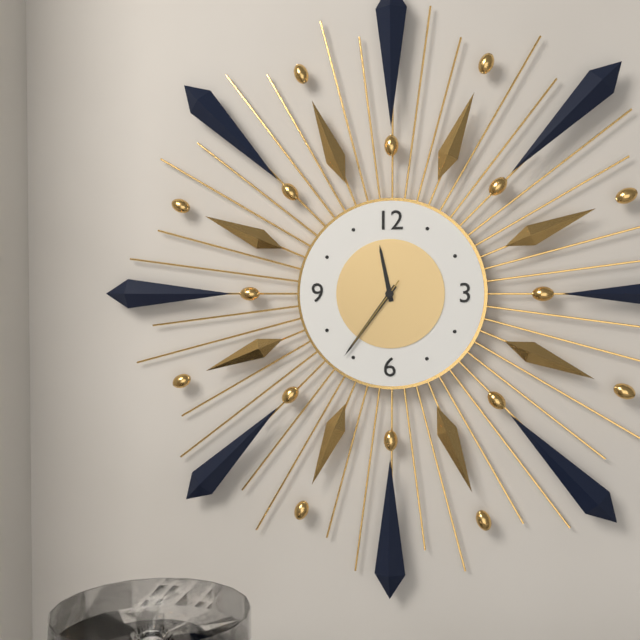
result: **11:36:36**
